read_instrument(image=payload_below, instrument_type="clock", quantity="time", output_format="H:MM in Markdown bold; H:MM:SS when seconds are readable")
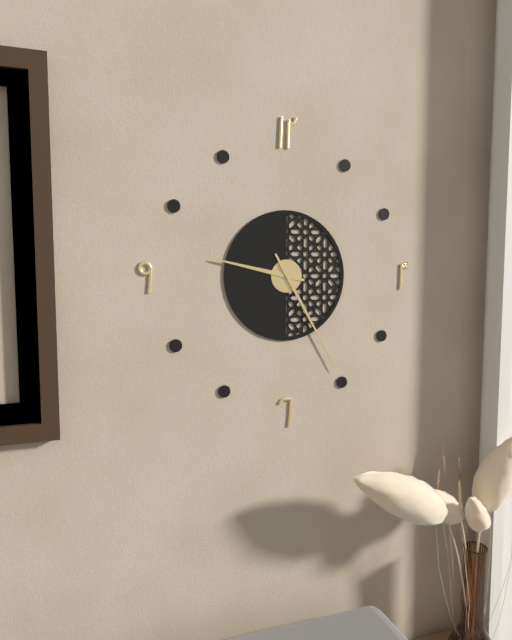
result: **9:25**
